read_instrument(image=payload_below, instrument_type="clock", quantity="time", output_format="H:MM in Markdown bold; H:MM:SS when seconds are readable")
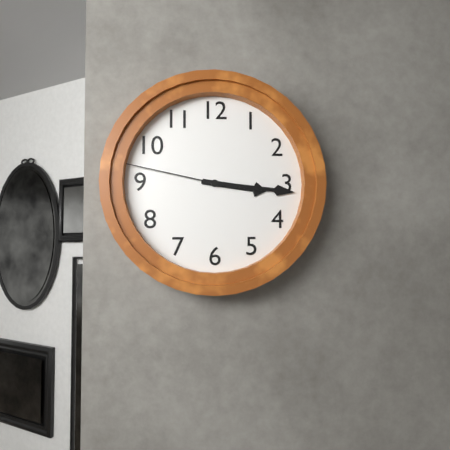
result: **3:16:47**
